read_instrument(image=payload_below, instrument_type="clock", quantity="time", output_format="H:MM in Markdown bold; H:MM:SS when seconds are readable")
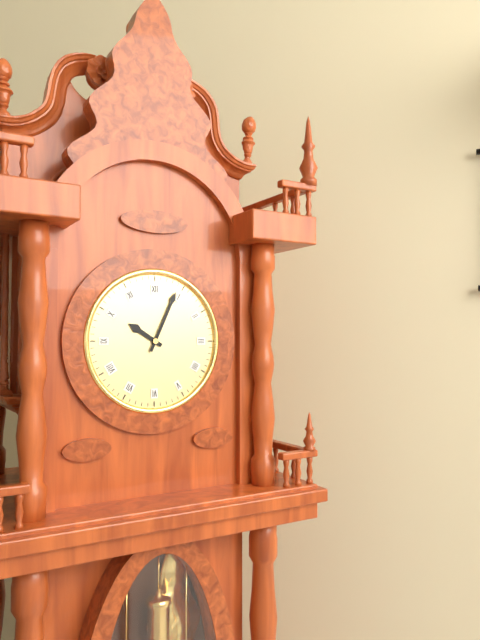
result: **10:04**
